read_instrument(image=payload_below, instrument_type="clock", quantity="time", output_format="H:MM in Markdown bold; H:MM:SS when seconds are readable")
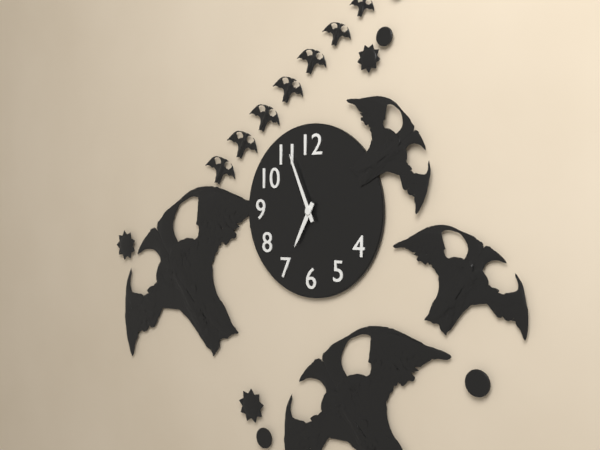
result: **6:56**
